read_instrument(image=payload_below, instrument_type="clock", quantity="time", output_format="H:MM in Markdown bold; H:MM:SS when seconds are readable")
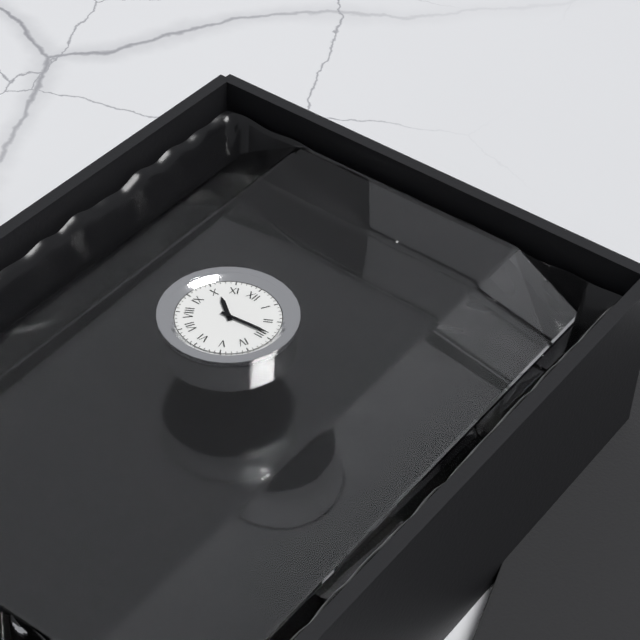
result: **10:14**
